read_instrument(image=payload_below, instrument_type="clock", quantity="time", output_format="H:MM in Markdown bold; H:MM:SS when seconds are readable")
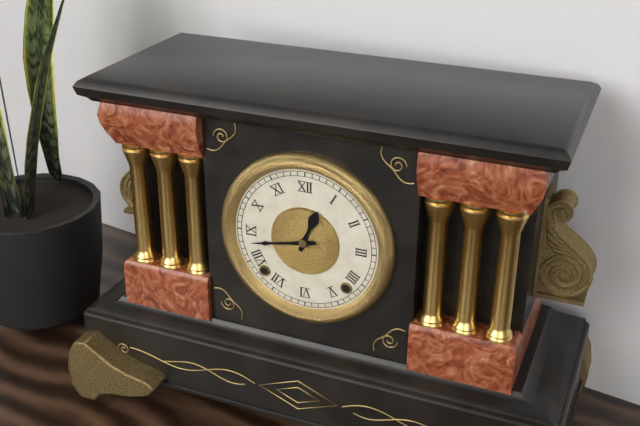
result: **12:43**
